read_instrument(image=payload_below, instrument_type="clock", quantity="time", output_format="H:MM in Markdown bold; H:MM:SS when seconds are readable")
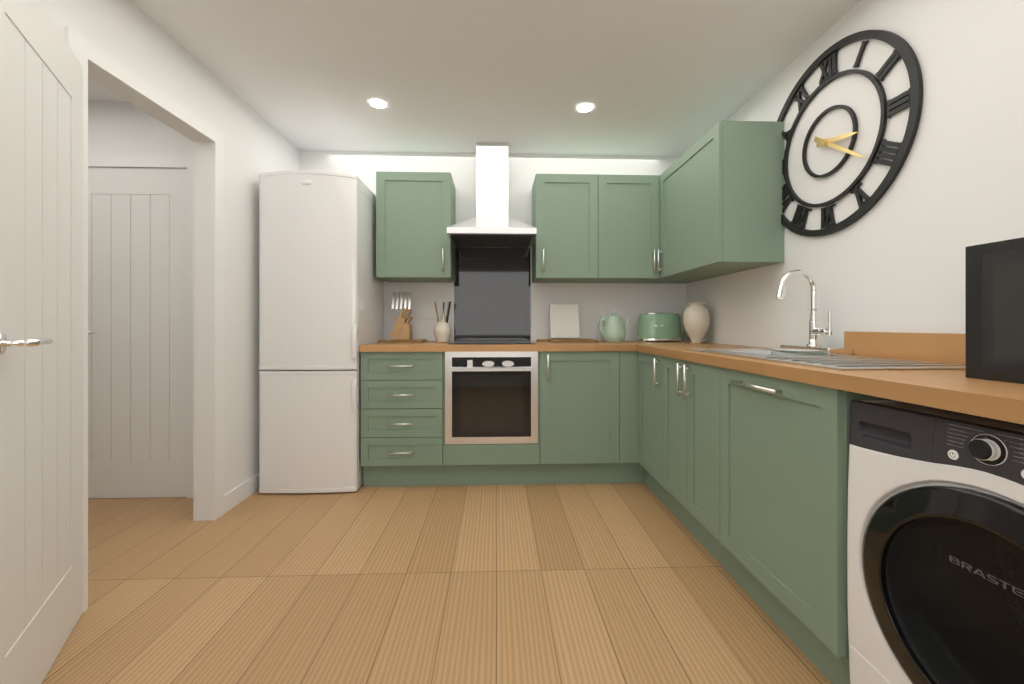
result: **3:21**
